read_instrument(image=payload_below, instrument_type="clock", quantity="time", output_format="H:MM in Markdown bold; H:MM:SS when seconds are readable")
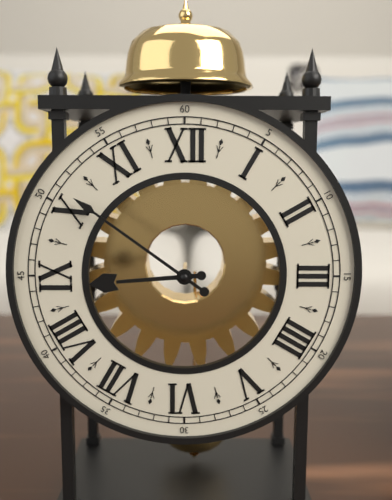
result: **8:51**
